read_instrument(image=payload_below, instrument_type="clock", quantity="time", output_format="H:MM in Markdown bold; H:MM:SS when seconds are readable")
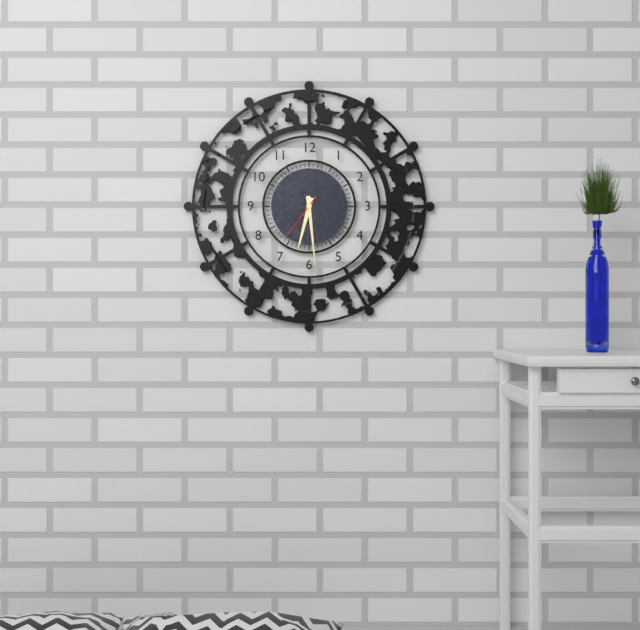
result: **6:29:36**
